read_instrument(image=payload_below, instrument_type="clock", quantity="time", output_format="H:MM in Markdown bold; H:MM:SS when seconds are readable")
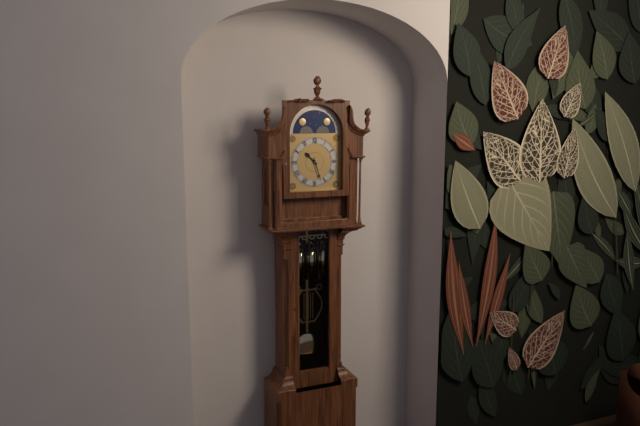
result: **10:27**
